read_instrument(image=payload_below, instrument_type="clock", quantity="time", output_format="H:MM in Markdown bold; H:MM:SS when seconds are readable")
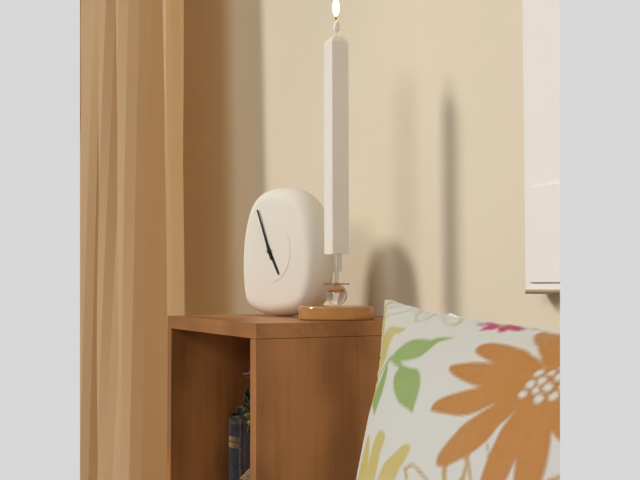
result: **4:56**
